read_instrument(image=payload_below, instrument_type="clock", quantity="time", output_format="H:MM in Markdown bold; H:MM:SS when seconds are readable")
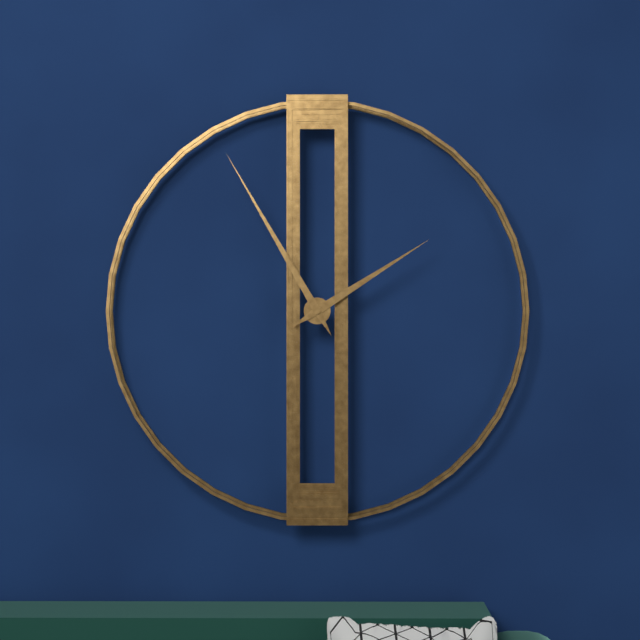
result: **1:55**
